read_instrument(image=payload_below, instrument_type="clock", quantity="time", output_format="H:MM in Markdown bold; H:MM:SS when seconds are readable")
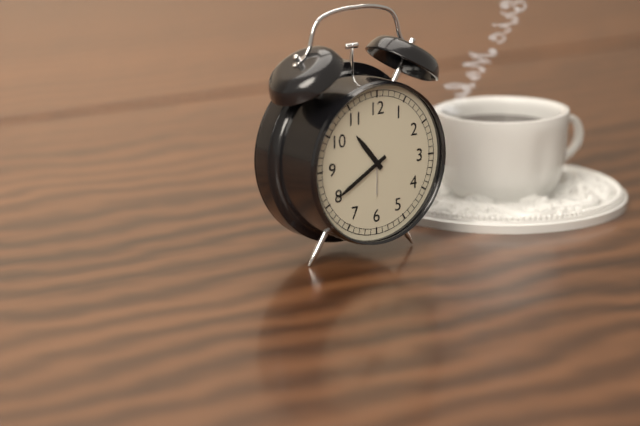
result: **10:40**
